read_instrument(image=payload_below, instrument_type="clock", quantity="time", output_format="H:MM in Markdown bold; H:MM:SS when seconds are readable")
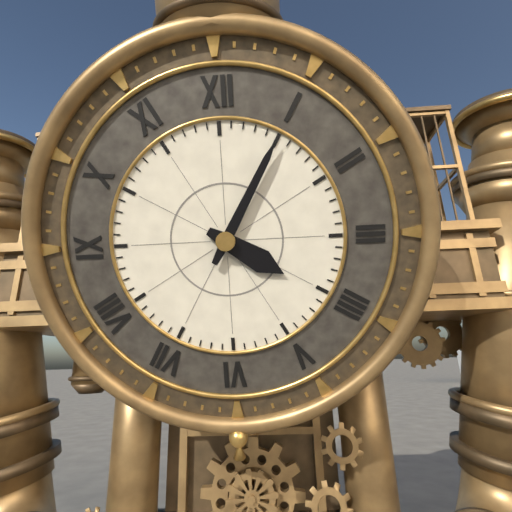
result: **4:05**
